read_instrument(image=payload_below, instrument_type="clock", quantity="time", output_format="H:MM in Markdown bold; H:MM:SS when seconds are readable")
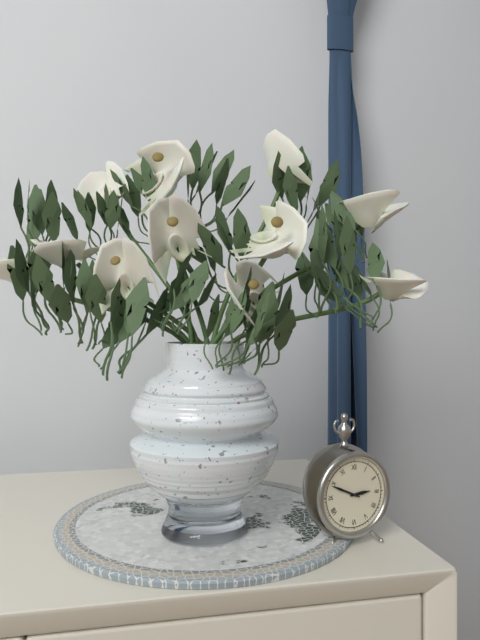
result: **2:49**
